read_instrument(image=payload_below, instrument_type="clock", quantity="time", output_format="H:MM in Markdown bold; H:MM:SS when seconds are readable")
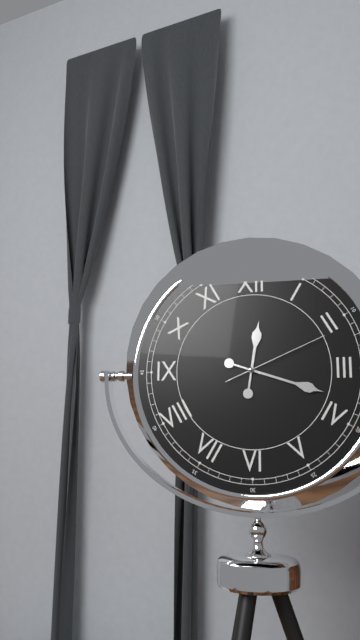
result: **12:18:11**
